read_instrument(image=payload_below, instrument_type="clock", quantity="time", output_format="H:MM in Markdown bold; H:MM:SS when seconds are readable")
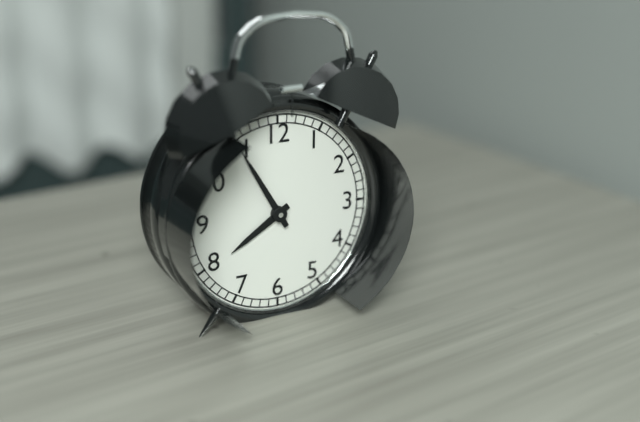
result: **7:55**
